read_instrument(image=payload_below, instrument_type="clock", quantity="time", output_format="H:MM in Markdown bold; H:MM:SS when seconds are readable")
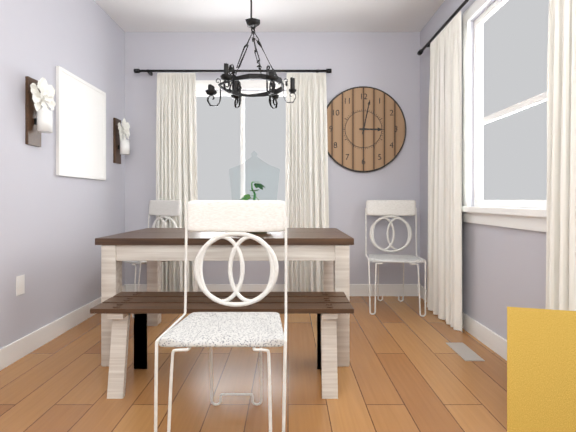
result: **3:02**
